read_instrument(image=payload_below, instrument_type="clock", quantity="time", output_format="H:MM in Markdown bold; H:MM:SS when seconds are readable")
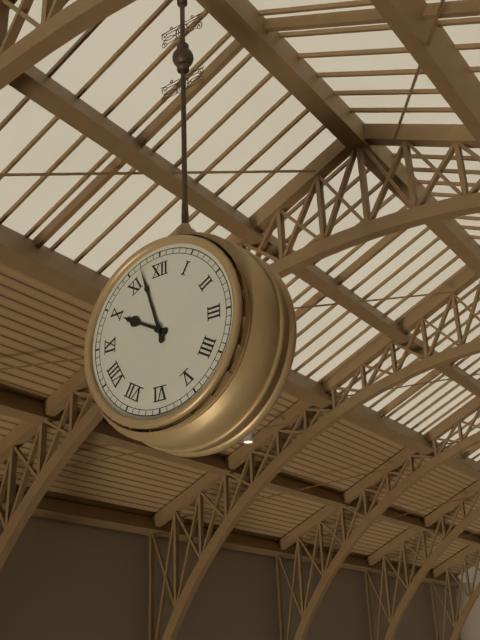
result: **9:57**
